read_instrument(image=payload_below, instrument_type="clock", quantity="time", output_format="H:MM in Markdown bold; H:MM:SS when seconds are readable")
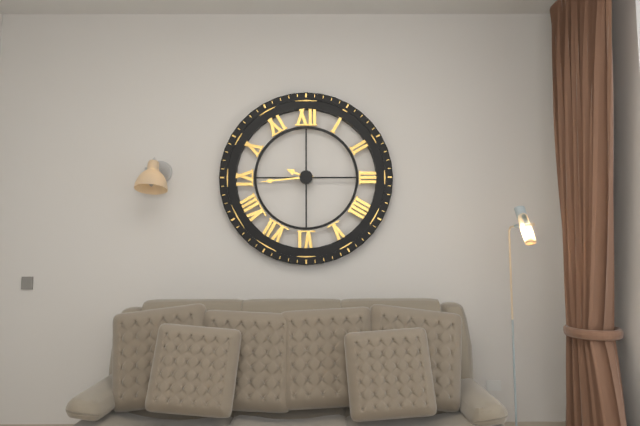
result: **9:44**
